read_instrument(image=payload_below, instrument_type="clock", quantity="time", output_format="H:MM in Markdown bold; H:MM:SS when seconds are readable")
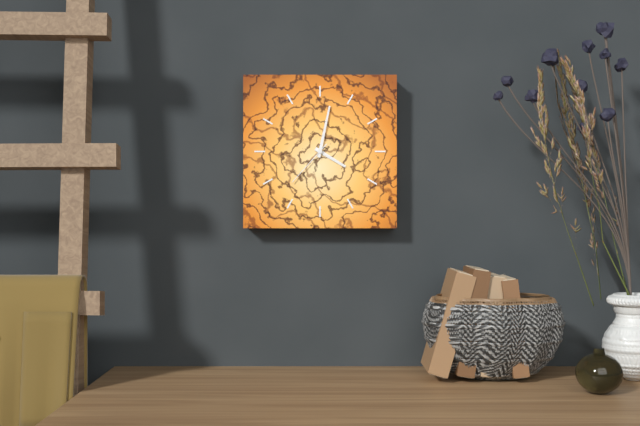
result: **4:02:37**
